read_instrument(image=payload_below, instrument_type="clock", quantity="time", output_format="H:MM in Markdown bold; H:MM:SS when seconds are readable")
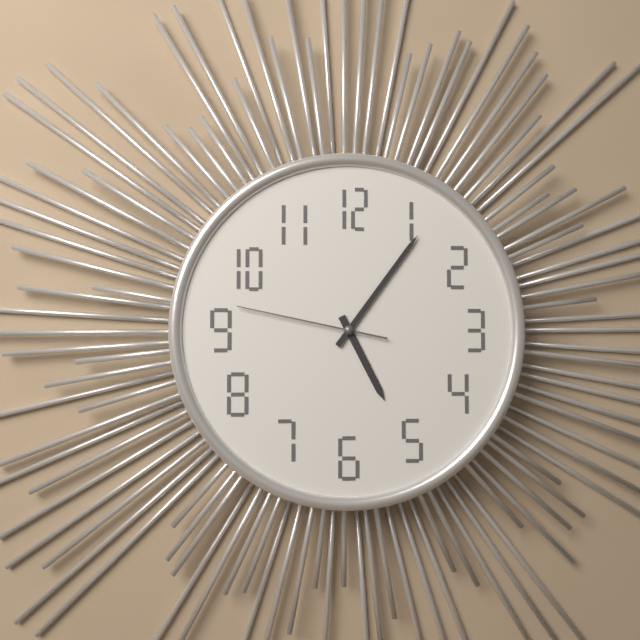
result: **5:06:47**
